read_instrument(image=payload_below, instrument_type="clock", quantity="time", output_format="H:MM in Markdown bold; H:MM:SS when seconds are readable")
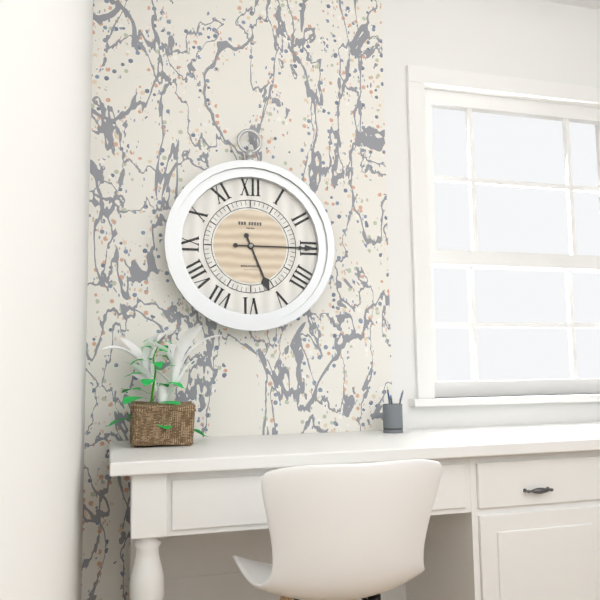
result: **5:15**
